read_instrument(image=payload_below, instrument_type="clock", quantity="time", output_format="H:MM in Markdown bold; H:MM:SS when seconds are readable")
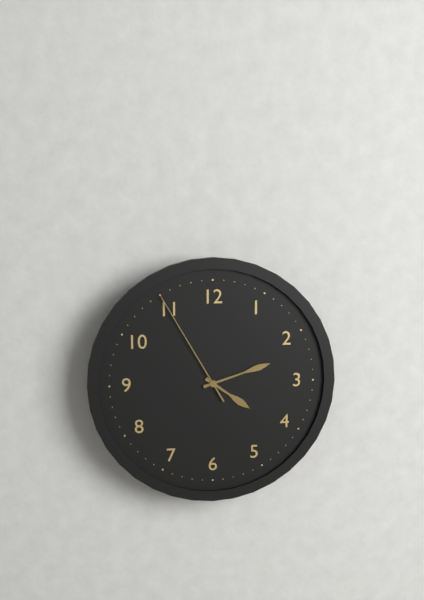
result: **4:12:55**
